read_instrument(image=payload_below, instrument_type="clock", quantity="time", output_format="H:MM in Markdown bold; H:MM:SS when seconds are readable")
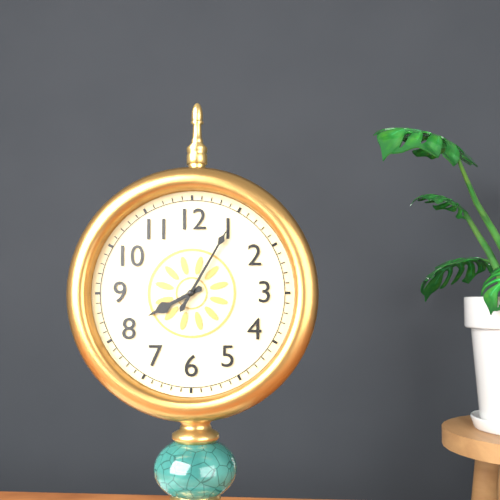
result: **8:05**
